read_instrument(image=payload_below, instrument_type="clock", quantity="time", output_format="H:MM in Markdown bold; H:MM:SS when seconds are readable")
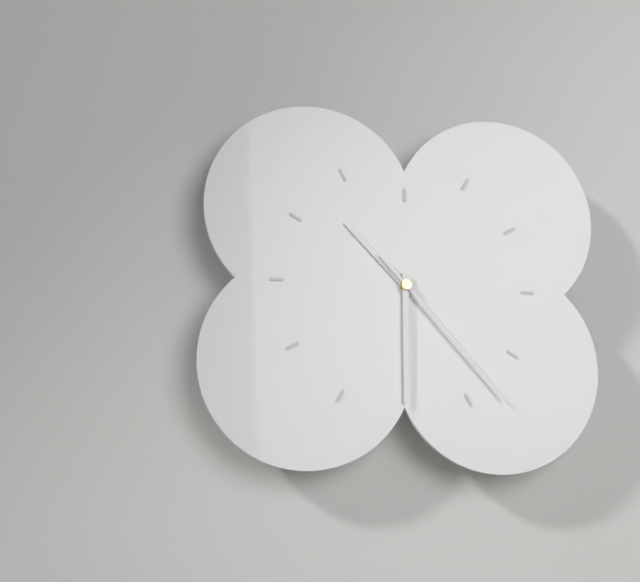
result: **10:30:23**
